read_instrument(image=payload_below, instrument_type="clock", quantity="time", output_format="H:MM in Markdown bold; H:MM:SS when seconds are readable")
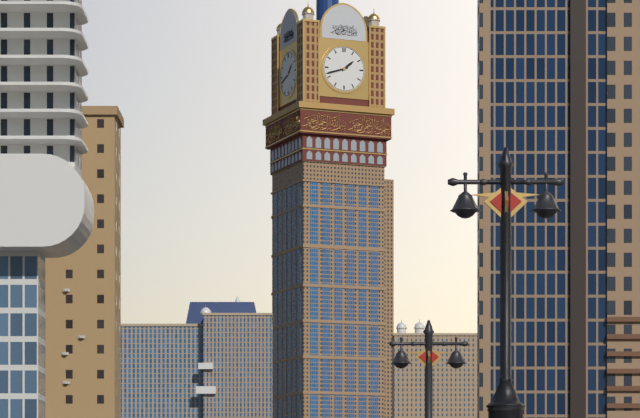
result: **1:42**
